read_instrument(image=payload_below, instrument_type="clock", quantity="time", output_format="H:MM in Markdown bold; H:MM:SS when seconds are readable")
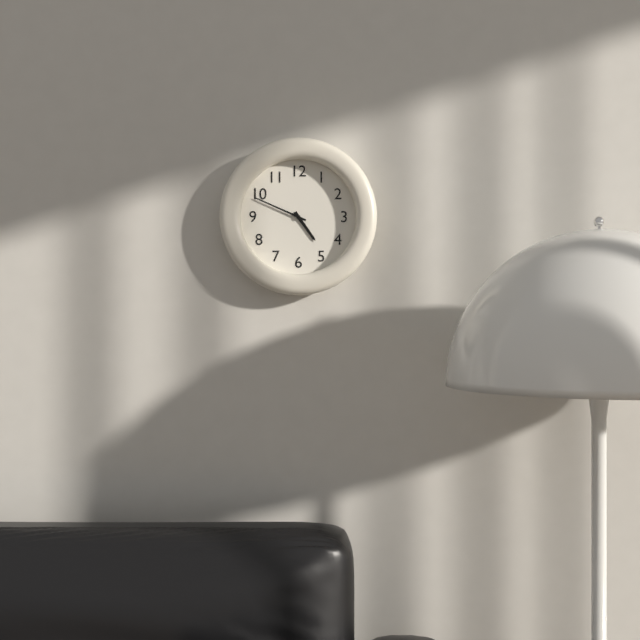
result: **4:49**
